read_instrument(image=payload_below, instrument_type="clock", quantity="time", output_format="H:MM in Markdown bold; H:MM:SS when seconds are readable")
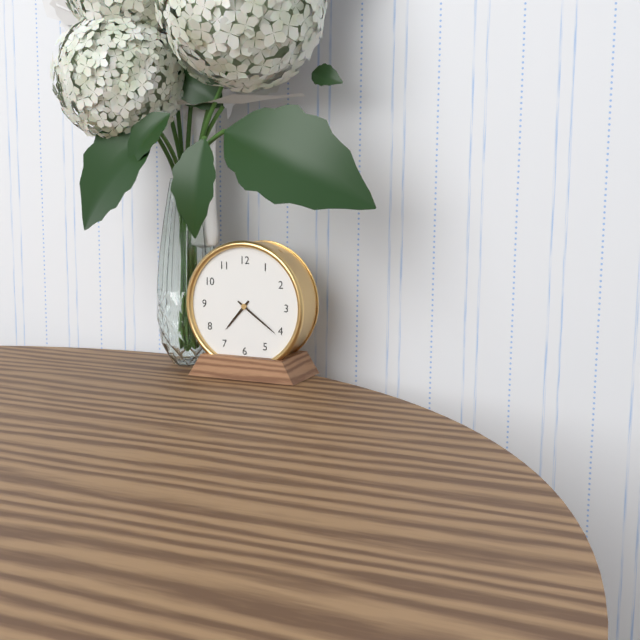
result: **7:21**
